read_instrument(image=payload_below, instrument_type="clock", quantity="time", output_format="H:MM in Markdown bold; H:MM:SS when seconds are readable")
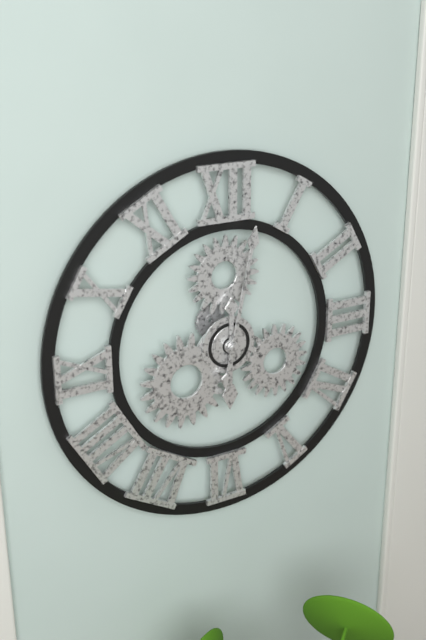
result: **6:02**
